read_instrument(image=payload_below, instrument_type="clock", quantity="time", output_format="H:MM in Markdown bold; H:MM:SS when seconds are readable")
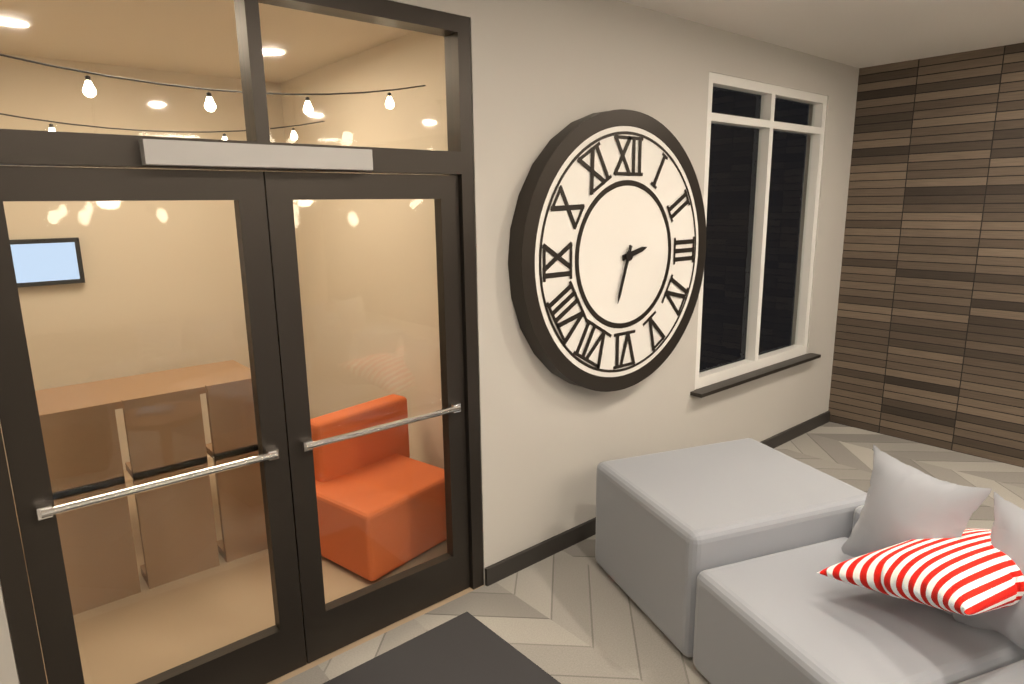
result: **2:33**
